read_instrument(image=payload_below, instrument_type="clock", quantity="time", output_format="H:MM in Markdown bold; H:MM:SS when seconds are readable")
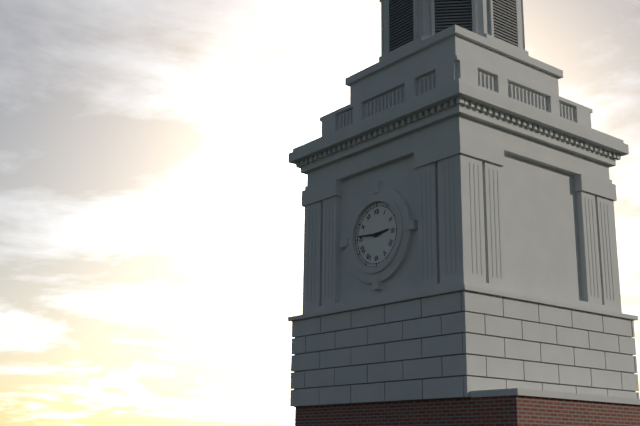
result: **2:46**
